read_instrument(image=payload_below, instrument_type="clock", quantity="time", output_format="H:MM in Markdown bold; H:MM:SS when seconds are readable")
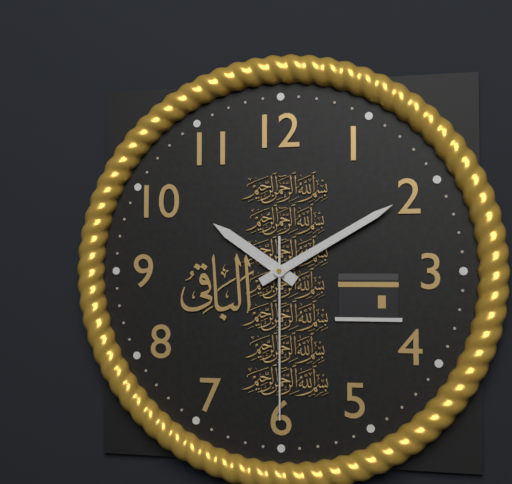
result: **10:10:30**
